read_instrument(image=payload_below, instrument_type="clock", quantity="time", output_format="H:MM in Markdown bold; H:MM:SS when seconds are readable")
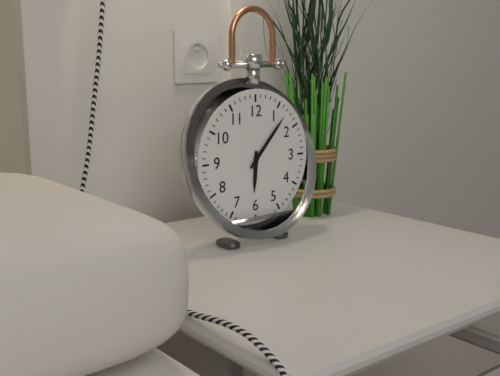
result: **6:07**
